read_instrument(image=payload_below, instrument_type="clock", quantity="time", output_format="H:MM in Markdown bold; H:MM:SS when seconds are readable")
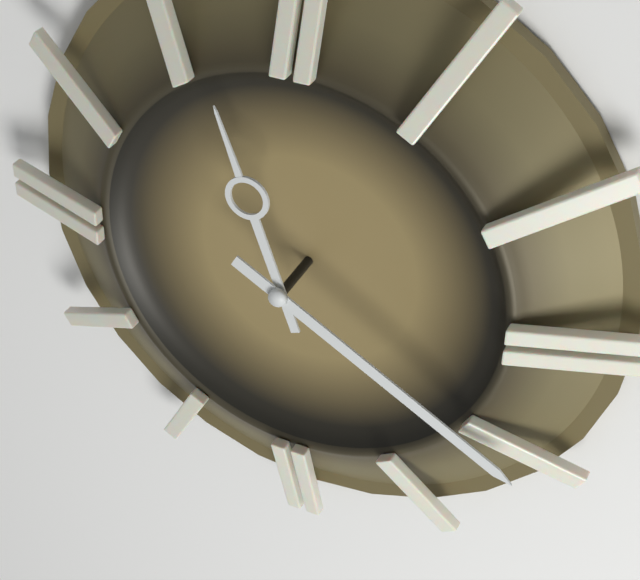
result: **11:20**
